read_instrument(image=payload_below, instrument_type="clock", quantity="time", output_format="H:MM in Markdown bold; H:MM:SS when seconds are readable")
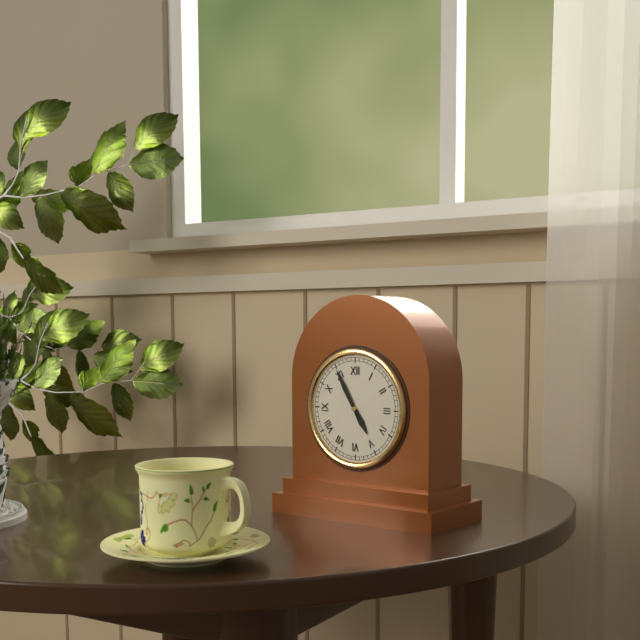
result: **4:55**
